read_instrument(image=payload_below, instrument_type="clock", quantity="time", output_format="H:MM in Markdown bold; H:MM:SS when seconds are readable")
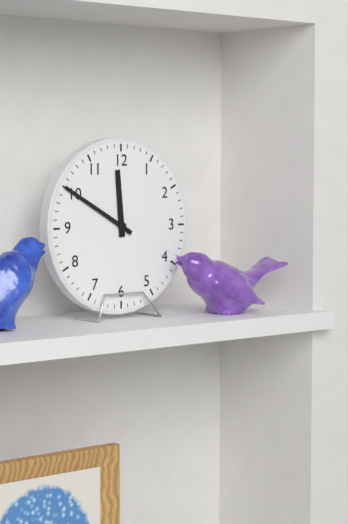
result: **11:50**
